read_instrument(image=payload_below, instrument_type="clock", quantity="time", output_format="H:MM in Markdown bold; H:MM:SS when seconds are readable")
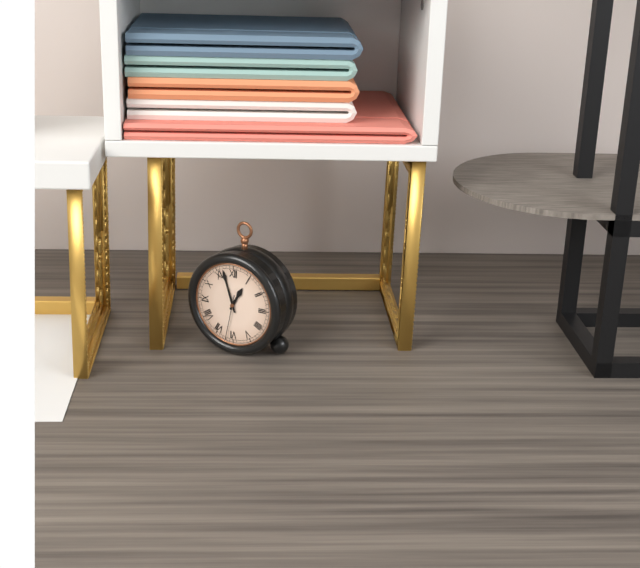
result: **12:57**
